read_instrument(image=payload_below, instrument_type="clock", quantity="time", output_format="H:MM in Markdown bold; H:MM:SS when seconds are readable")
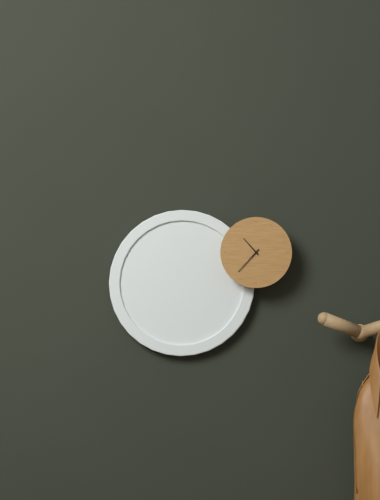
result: **10:37**
